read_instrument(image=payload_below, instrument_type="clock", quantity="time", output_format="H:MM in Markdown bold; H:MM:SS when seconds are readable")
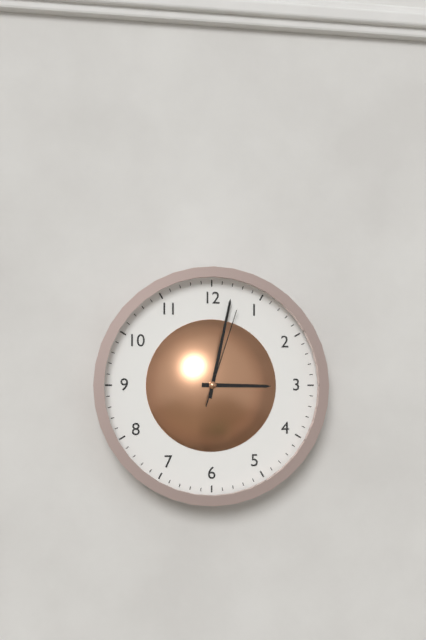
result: **3:02:03**
